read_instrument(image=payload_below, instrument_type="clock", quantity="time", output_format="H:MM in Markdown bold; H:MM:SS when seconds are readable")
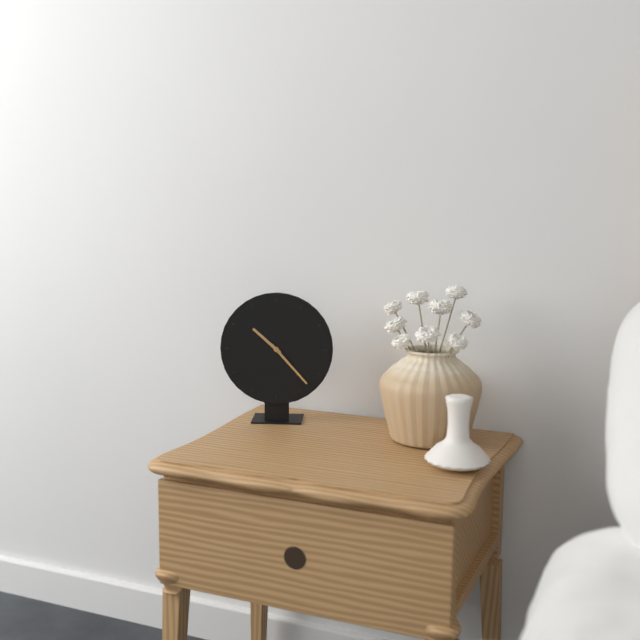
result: **10:23**
